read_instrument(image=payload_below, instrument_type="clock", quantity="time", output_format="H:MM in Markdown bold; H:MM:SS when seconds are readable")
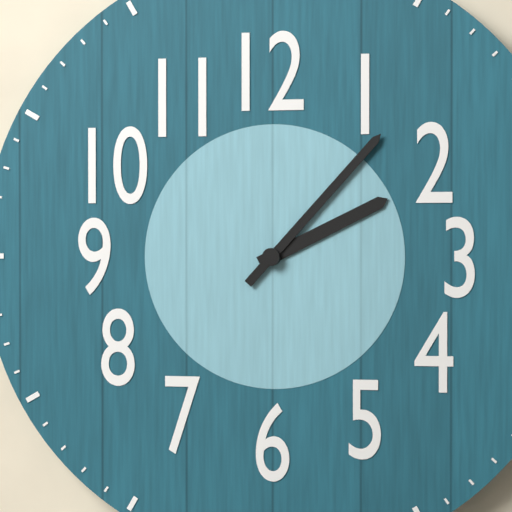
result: **2:07**
